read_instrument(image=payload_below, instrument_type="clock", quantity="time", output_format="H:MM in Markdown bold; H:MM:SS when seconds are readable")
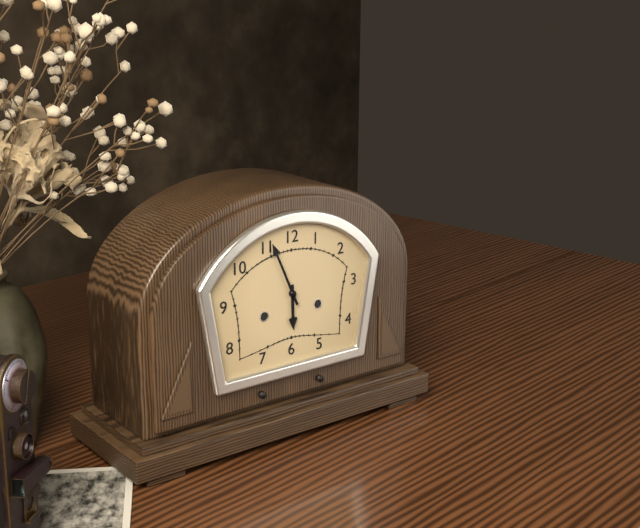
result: **5:56**
